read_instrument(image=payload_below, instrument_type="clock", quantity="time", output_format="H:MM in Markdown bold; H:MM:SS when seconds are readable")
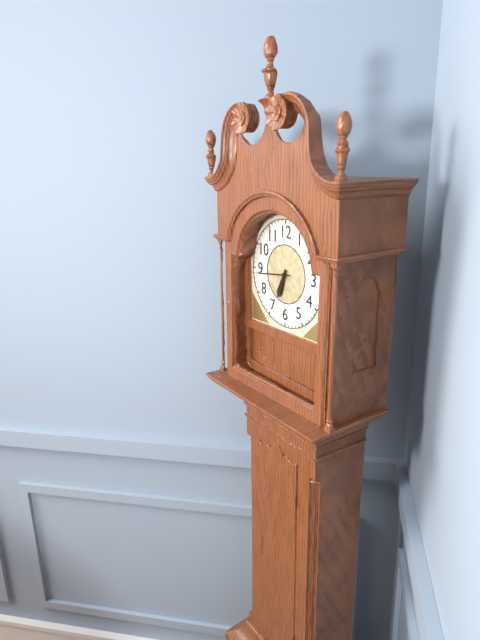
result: **6:44**
